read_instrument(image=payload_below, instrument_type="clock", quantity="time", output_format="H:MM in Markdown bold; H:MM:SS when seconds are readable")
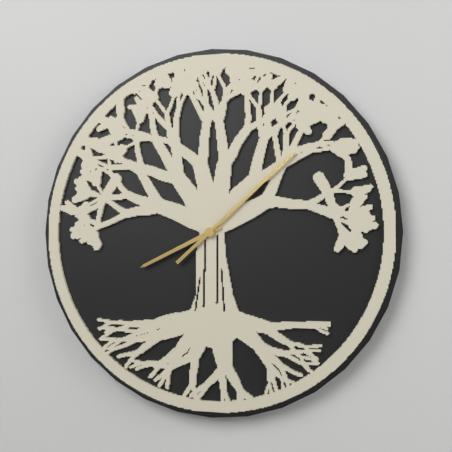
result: **8:08**
